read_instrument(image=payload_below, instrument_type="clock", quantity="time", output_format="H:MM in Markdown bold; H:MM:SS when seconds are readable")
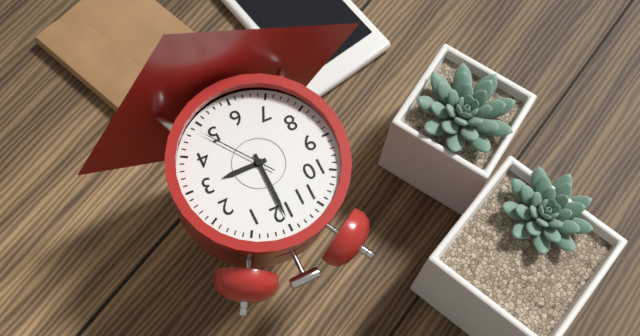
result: **3:00:24**
